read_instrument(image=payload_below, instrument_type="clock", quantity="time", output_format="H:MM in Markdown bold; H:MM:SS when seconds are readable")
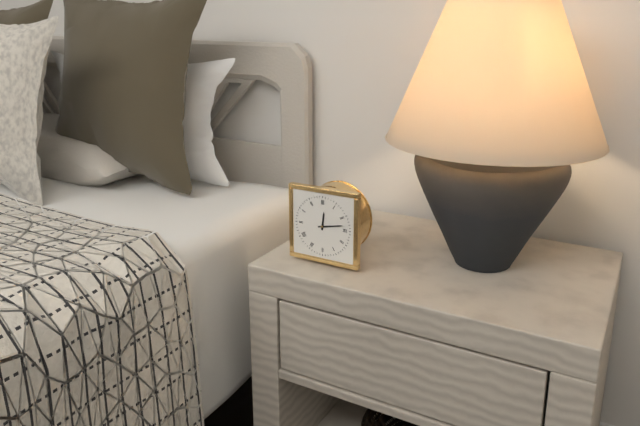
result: **12:13**
